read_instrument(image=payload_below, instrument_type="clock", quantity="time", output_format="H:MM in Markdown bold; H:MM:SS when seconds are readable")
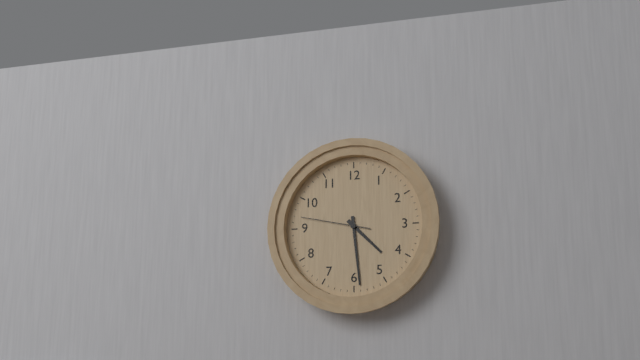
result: **4:29:47**
